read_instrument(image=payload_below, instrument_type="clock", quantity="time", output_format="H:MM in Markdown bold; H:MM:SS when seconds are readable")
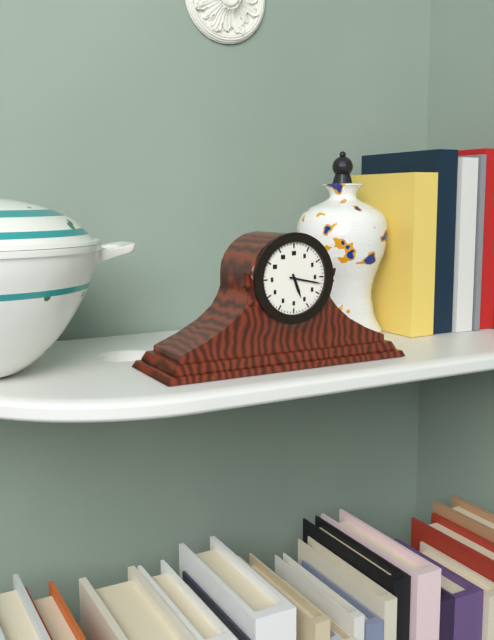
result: **5:17**
